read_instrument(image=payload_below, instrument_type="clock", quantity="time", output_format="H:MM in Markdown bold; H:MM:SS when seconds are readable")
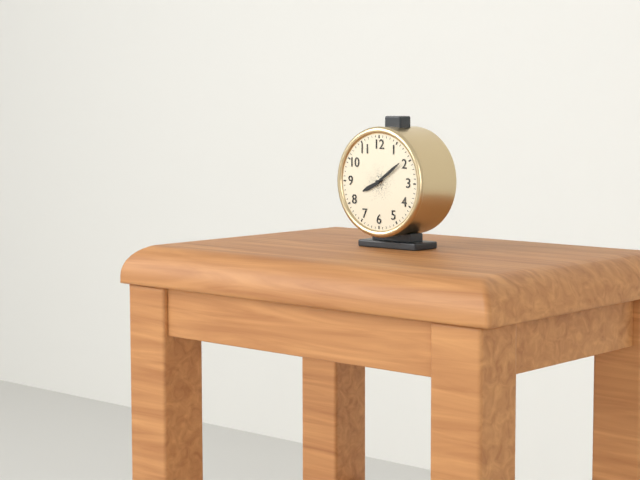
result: **8:09**
